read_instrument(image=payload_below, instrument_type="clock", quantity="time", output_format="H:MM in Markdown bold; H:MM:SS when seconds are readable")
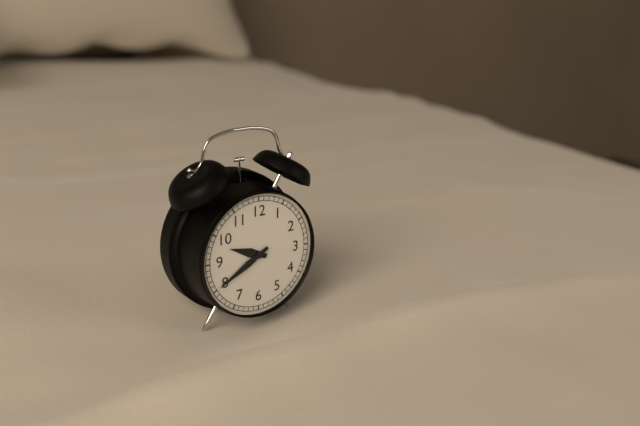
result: **9:40**
